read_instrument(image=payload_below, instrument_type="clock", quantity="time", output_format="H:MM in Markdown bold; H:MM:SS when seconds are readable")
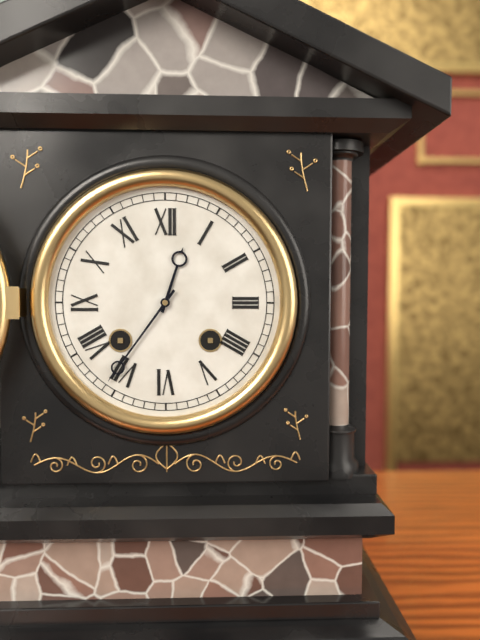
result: **12:36**
